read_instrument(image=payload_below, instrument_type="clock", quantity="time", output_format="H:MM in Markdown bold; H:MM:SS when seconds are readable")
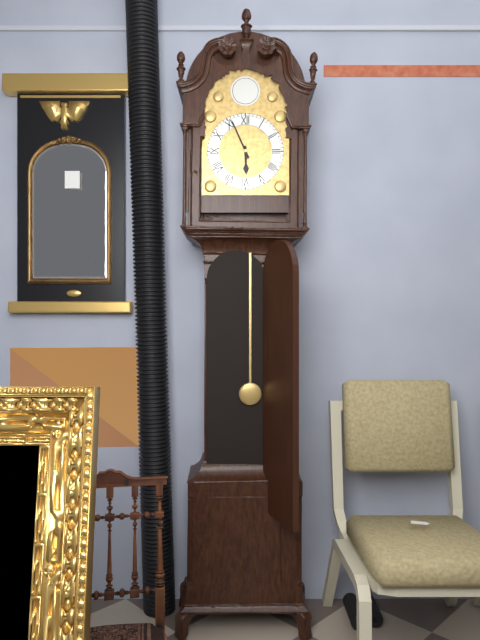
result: **5:56**
